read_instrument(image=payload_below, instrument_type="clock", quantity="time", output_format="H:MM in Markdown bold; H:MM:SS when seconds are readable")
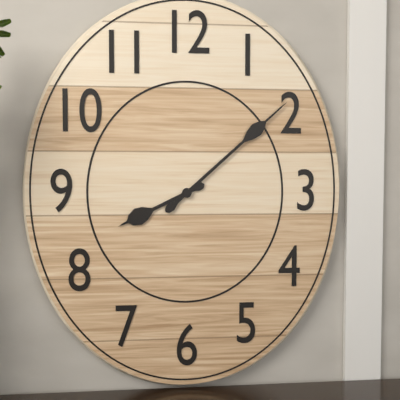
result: **8:08**
